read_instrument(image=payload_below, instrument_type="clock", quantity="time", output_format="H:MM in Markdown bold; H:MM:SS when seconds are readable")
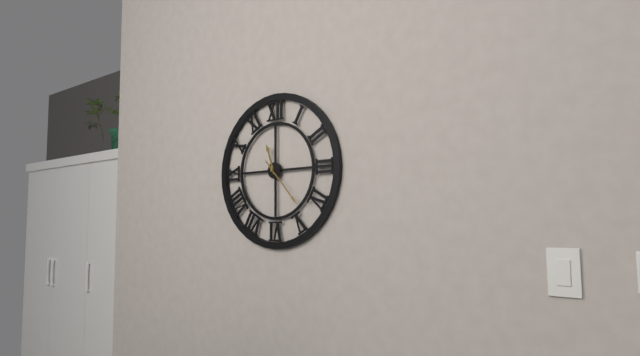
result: **11:23**
